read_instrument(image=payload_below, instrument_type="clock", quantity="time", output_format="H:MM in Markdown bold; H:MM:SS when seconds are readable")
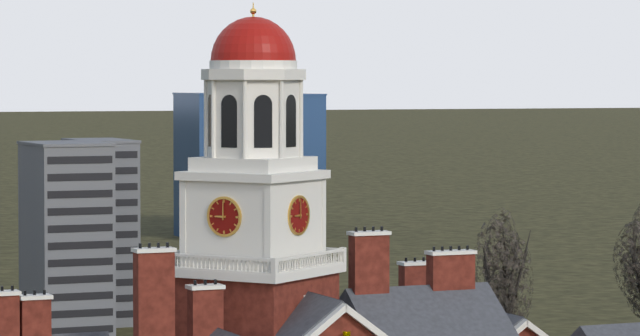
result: **9:00**
